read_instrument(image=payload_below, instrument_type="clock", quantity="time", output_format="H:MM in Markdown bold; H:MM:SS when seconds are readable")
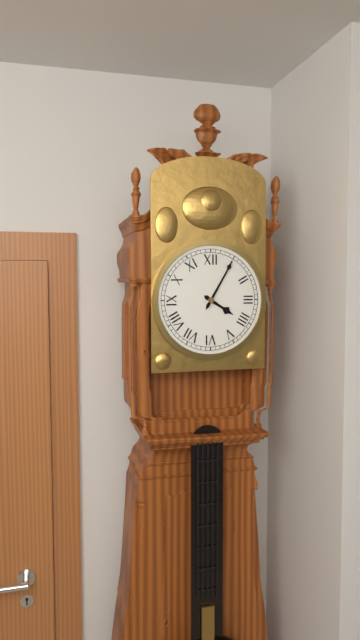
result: **4:05**
